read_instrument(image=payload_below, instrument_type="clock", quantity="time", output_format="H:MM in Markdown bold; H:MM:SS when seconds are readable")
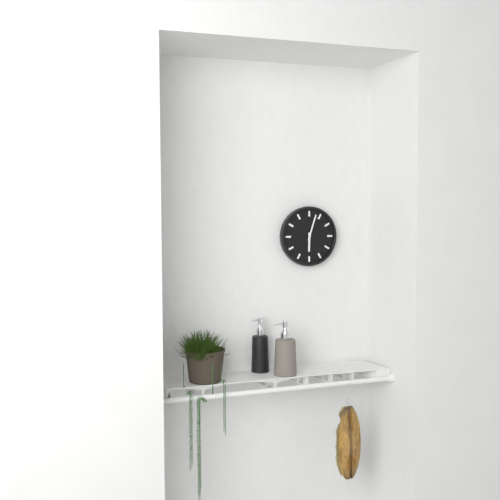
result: **6:03**
